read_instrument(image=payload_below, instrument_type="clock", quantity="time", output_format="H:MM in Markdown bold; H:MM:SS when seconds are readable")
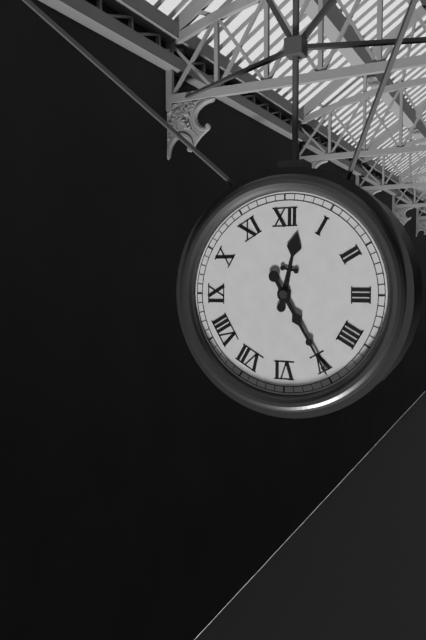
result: **12:25**
